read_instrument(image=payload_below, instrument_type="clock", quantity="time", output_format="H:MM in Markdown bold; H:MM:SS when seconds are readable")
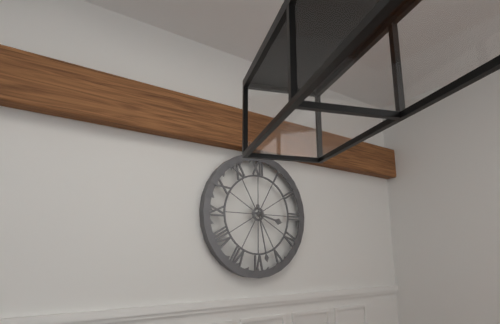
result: **3:28**
